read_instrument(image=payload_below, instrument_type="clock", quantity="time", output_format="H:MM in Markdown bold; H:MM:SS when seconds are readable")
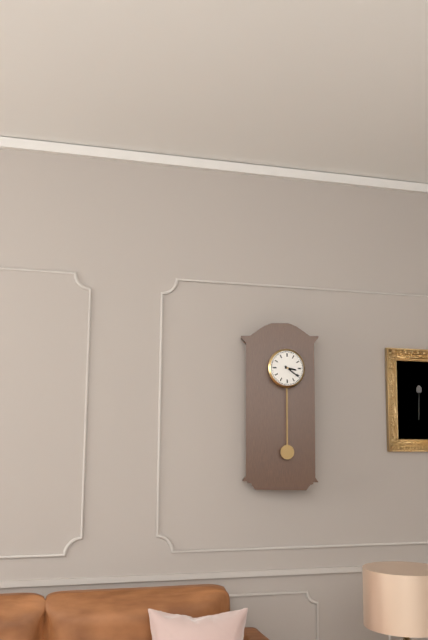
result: **3:21**
